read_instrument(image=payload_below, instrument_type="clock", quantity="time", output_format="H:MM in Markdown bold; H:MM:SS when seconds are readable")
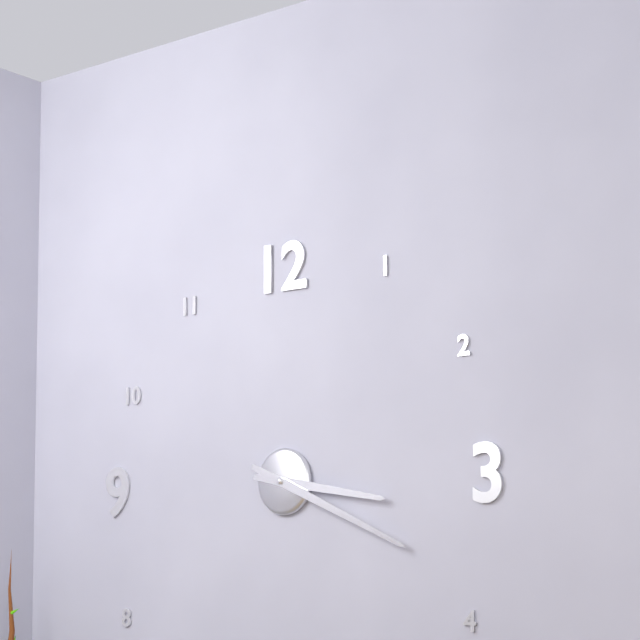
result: **3:19**
